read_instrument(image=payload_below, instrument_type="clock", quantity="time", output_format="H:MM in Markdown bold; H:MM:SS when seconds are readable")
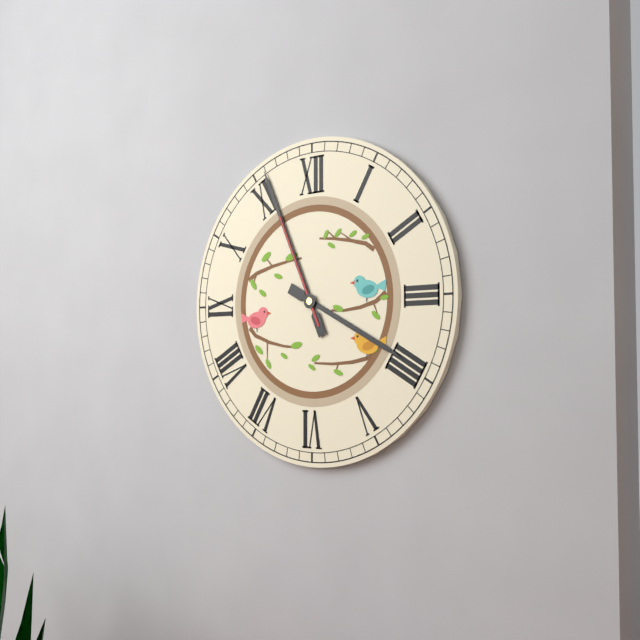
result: **3:56:56**
